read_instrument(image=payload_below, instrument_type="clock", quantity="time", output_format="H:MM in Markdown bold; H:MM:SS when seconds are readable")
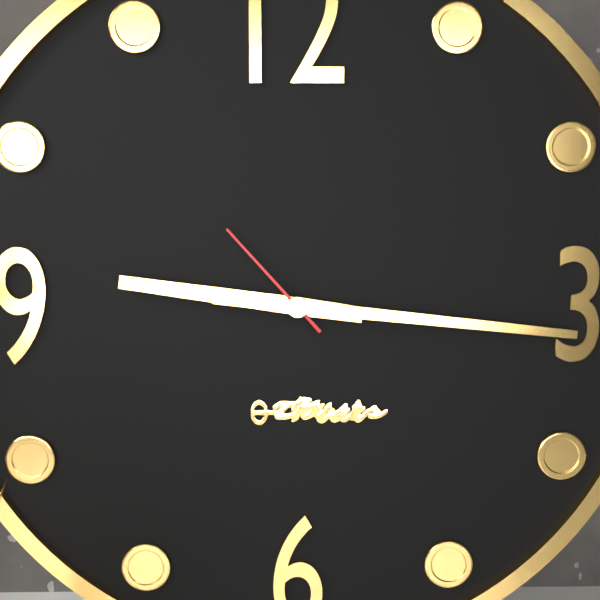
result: **9:16:53**
